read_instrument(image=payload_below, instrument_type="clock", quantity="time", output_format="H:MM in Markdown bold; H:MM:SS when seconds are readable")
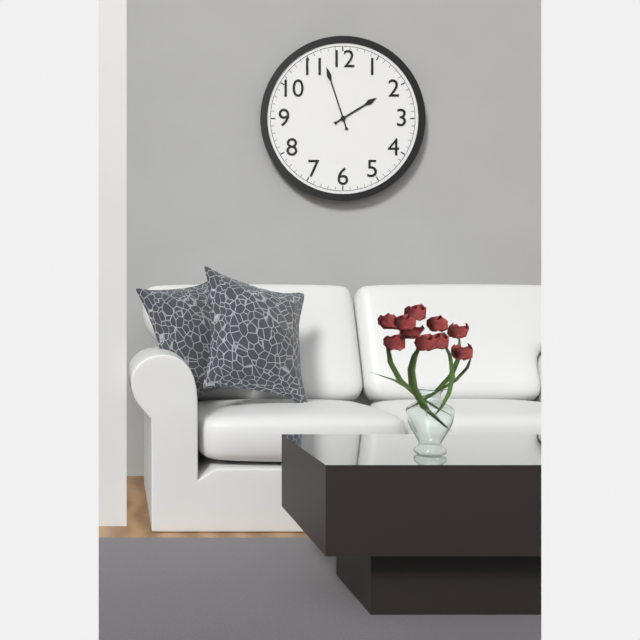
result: **1:57**
